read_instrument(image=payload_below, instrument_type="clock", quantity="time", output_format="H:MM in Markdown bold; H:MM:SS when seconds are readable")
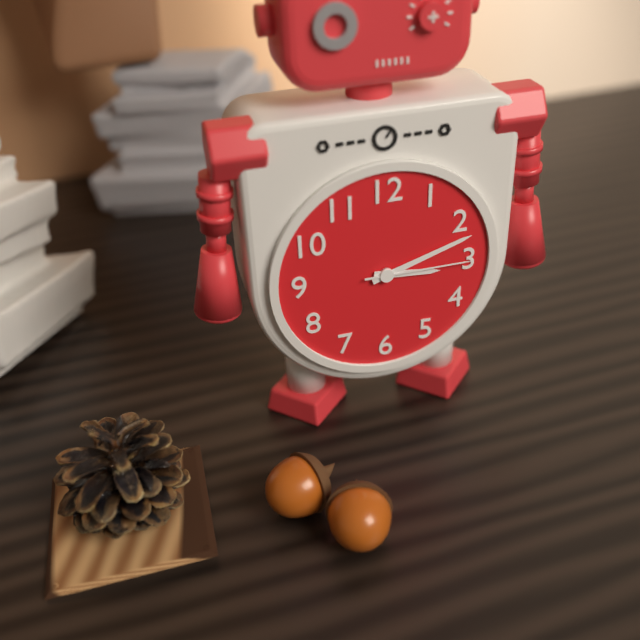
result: **3:12:15**
